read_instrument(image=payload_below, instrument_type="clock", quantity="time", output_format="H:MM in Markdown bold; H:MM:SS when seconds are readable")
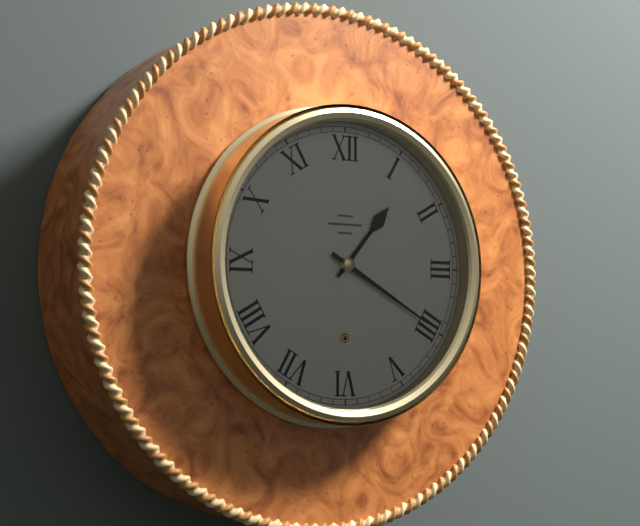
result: **1:20**
